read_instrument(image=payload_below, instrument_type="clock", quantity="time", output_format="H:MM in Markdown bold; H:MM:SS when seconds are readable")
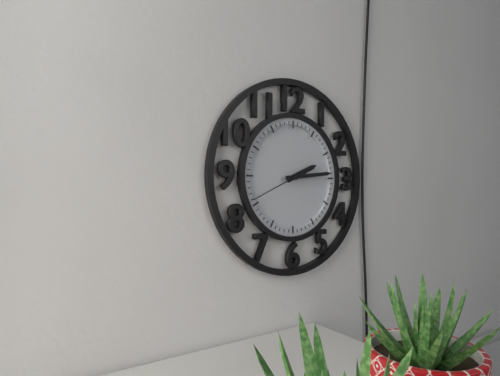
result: **2:14:41**
